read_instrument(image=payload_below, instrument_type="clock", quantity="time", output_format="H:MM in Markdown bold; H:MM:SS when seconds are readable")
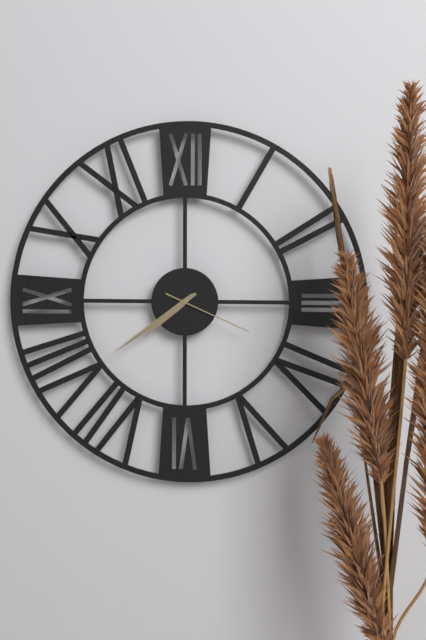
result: **7:39:19**
